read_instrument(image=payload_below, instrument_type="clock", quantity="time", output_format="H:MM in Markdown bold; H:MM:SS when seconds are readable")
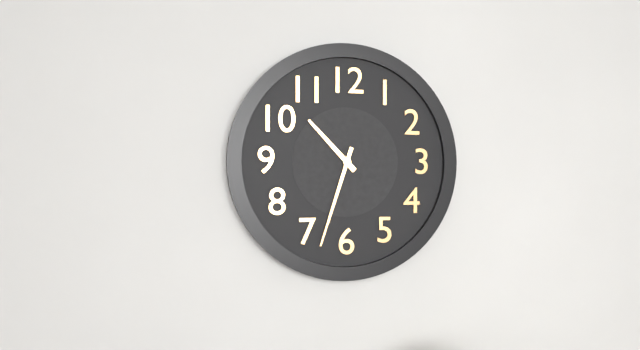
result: **10:33**
